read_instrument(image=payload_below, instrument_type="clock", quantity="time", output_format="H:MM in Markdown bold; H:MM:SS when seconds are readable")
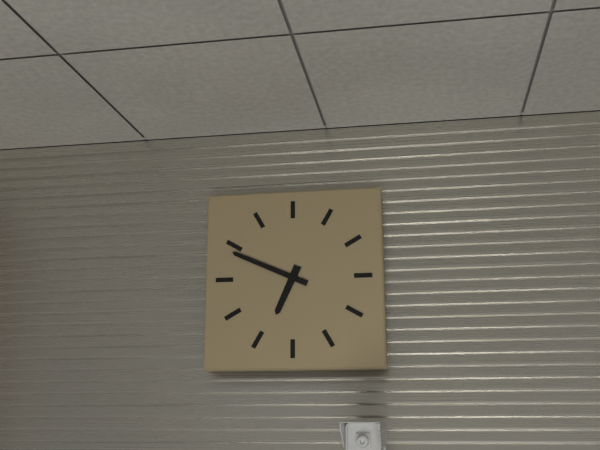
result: **6:49**
